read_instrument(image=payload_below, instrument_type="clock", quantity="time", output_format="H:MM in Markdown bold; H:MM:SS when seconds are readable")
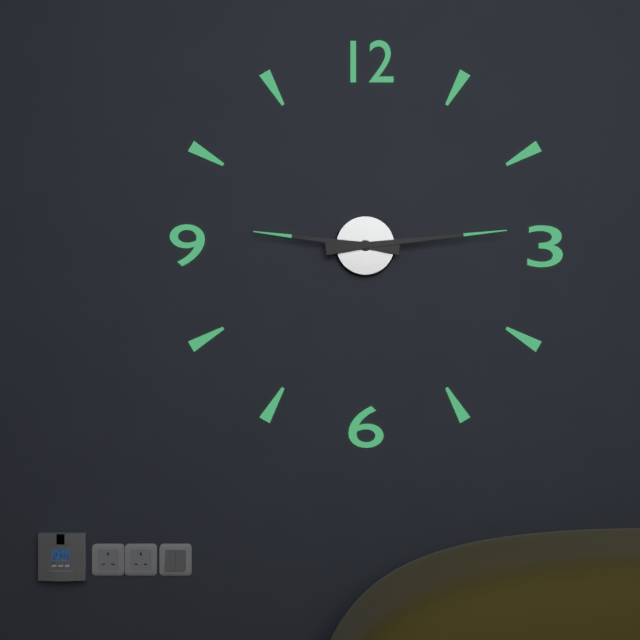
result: **9:14**
